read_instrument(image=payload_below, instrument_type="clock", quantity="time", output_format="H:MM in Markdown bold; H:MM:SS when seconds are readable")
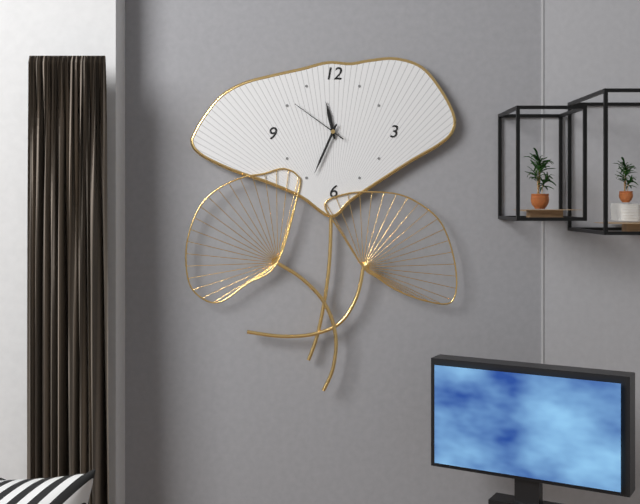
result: **11:34:51**
